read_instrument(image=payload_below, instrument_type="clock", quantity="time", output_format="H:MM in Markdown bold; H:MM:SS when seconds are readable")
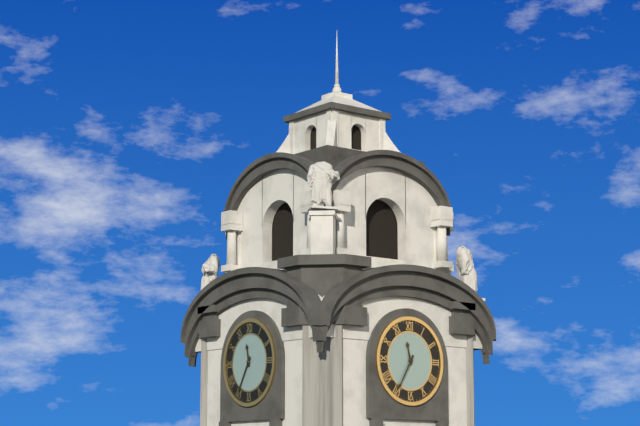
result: **11:35**
